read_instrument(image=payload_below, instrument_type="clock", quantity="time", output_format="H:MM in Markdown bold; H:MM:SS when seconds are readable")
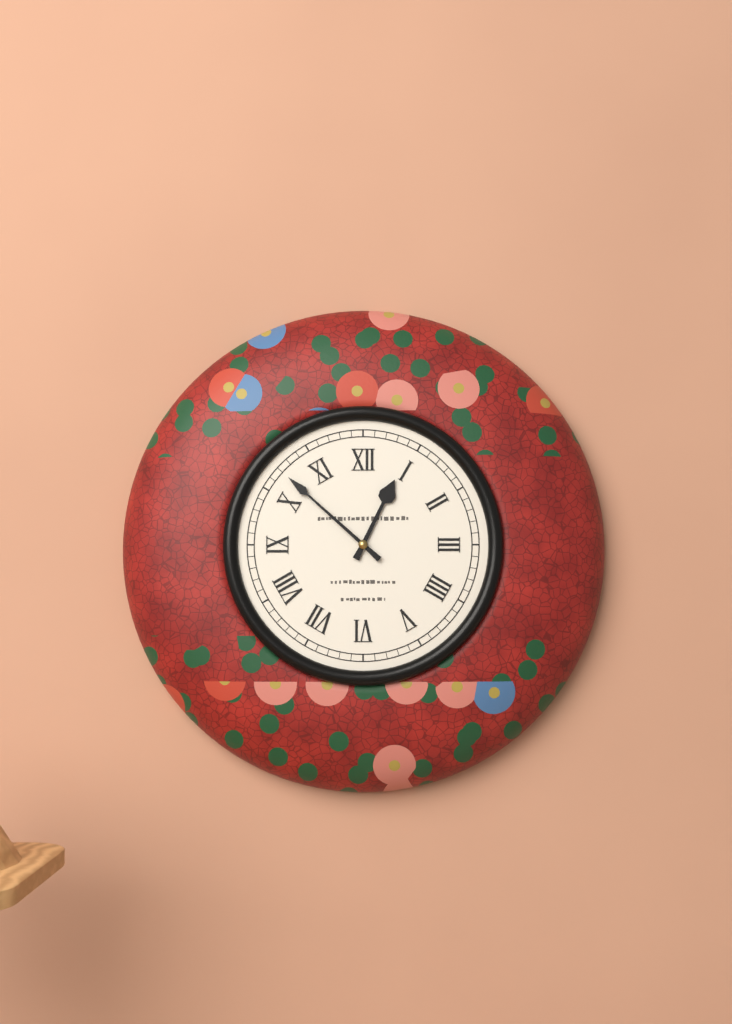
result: **12:52**
